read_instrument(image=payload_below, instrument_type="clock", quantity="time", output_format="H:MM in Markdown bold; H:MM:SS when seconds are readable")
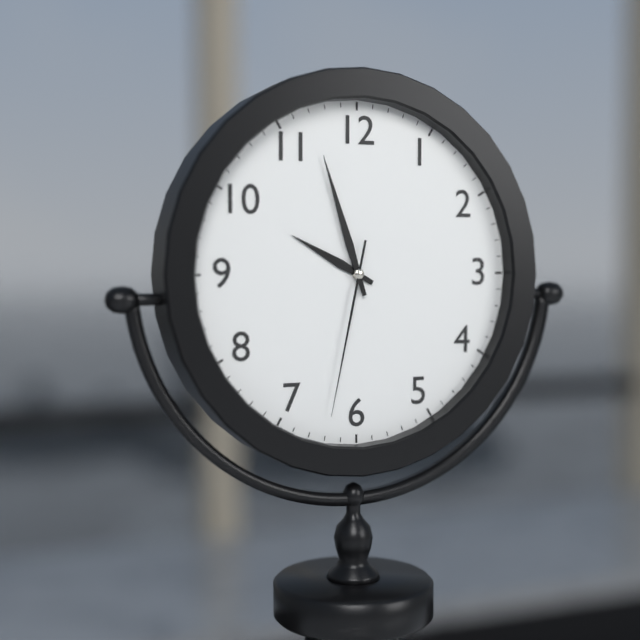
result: **9:57:32**
